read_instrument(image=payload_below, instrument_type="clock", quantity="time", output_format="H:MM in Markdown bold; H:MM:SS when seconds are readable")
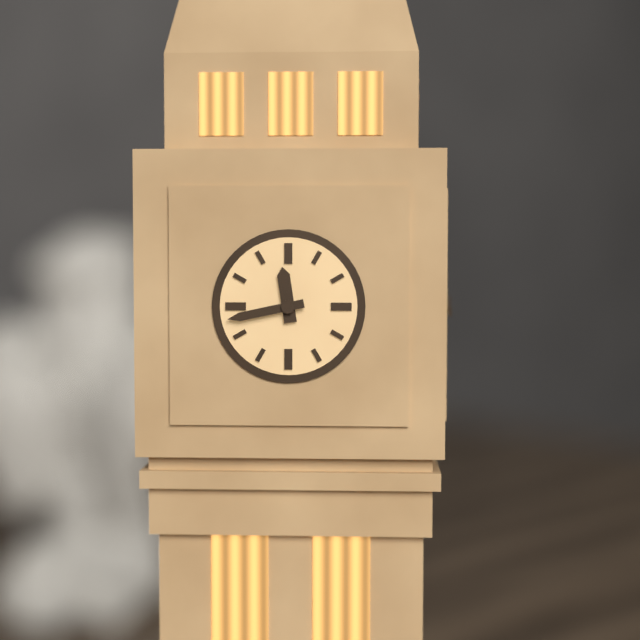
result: **11:43**
